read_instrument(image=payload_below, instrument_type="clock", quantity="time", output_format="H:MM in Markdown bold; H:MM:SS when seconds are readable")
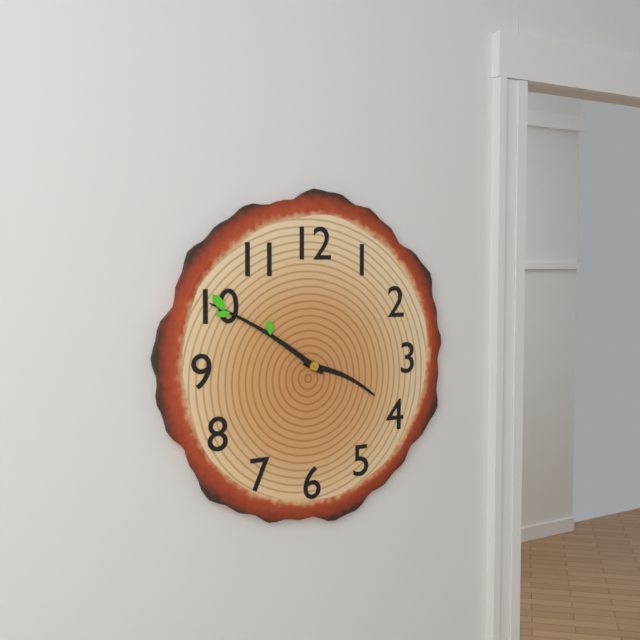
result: **3:50**
